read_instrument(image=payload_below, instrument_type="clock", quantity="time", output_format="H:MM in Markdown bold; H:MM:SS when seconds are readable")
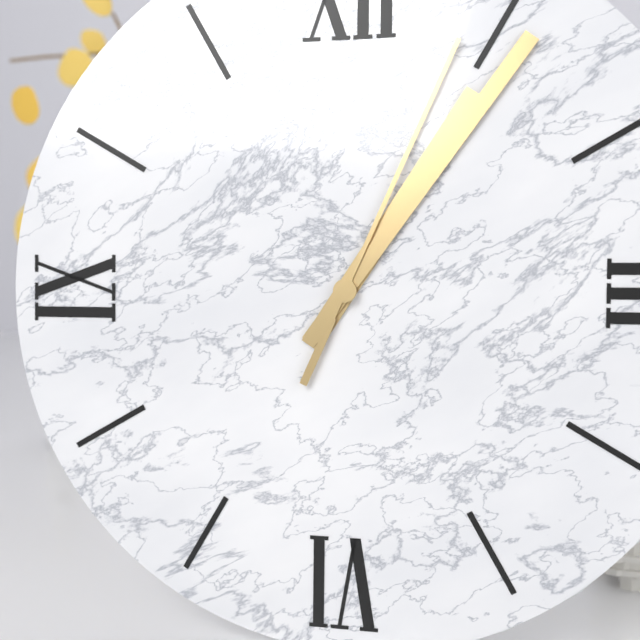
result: **1:06:04**
